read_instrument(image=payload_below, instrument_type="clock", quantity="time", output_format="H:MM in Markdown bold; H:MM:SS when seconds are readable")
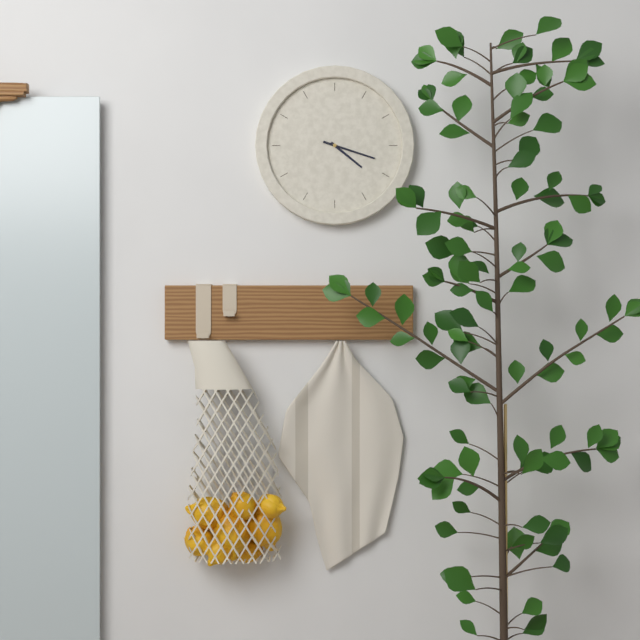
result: **4:18**
